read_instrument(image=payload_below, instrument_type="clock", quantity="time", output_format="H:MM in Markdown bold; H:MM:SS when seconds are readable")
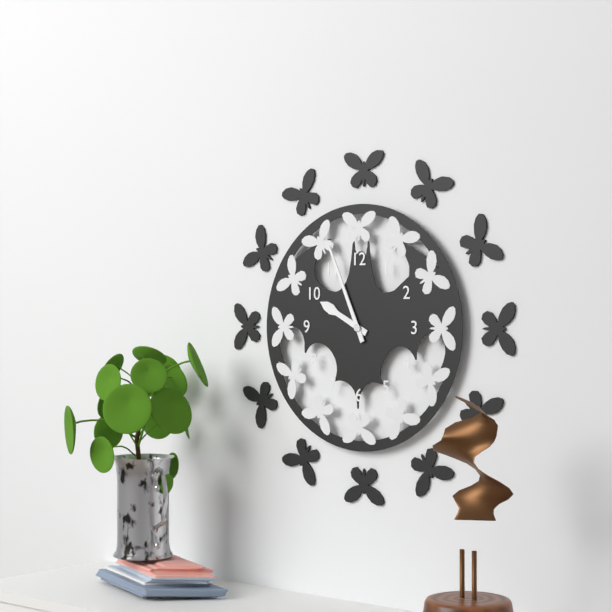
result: **9:56**
